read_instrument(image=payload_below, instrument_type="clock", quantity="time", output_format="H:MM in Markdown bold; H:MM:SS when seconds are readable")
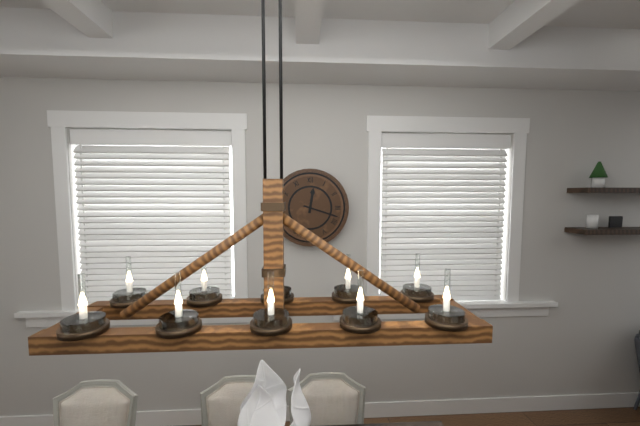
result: **12:18**
